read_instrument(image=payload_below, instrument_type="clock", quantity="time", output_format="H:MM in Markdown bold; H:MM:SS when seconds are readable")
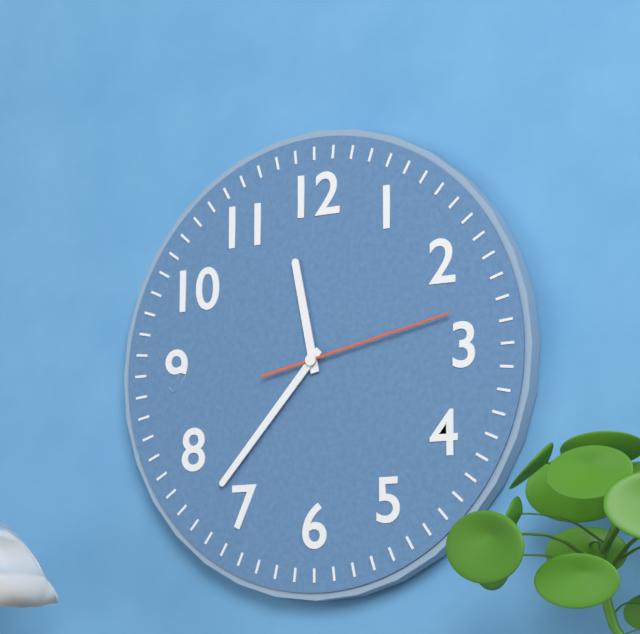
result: **11:37:13**
